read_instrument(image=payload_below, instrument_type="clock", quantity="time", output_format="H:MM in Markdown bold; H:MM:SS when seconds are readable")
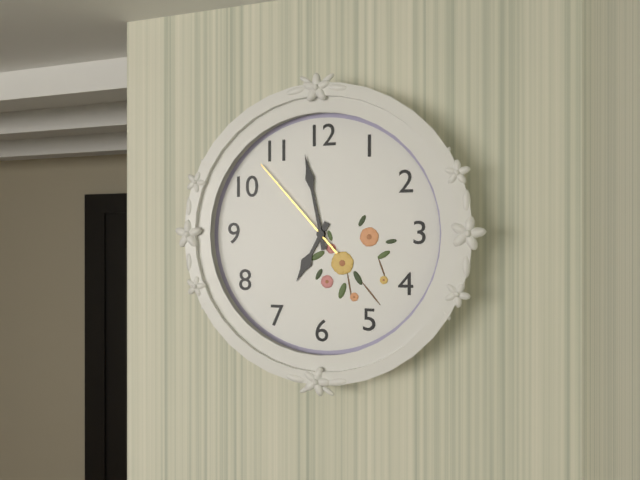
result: **6:58:53**
